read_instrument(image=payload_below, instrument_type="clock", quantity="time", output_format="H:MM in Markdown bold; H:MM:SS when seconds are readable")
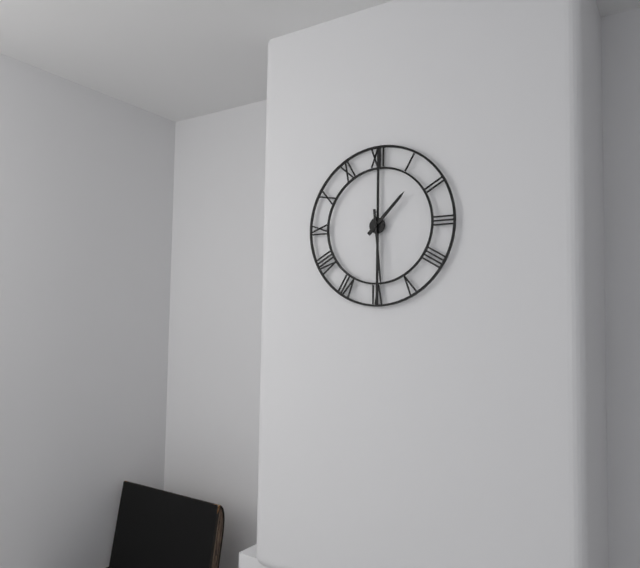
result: **1:29**
